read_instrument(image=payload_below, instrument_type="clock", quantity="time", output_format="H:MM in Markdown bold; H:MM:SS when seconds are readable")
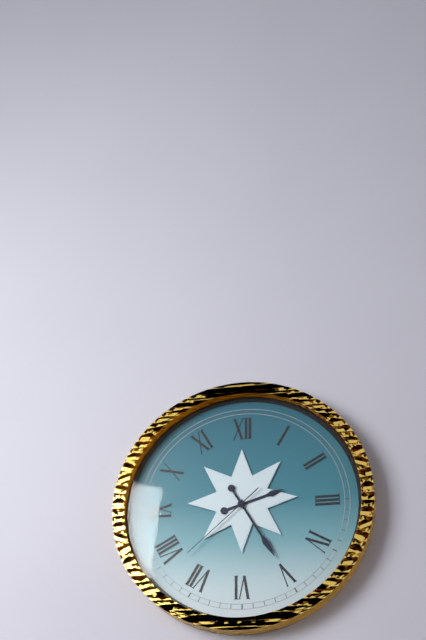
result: **2:25:38**
